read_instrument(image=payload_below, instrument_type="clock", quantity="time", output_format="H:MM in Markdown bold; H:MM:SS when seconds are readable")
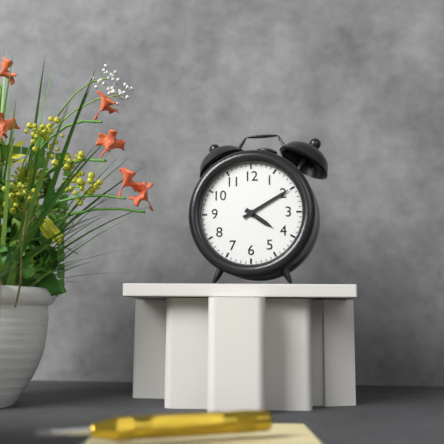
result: **4:10**
